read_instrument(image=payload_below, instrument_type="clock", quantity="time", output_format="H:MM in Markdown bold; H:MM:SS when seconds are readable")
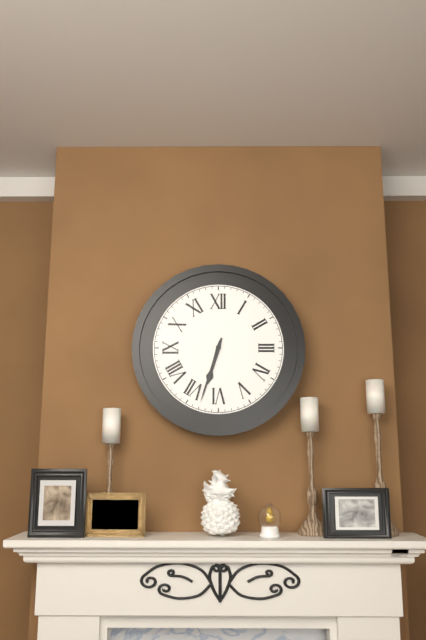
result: **6:33**
